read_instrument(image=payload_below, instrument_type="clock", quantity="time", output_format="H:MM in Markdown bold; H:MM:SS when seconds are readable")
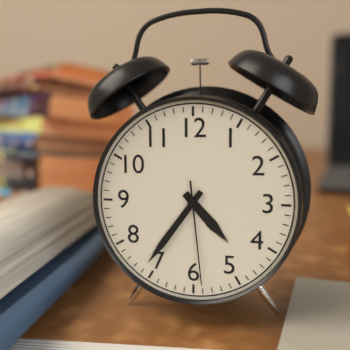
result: **4:36:29**
